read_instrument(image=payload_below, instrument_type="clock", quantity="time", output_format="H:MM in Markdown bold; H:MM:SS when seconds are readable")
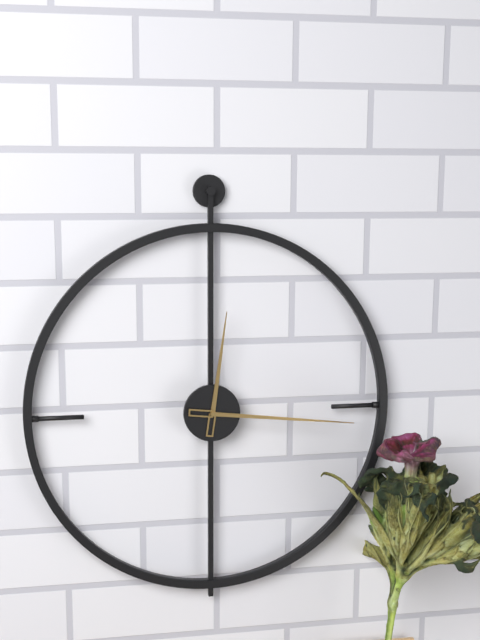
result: **12:16**
